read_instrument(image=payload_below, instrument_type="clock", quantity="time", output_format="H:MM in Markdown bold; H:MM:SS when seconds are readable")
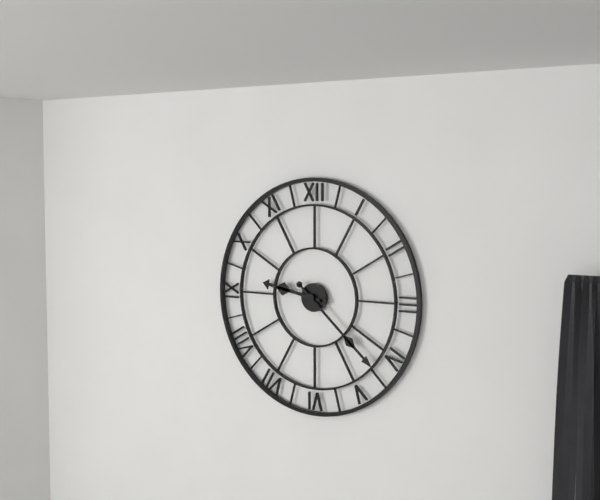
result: **9:22**
